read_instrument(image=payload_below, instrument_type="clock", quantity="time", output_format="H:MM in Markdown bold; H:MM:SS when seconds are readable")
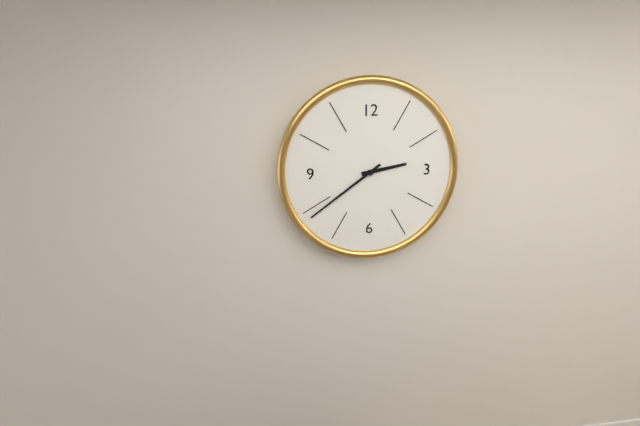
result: **2:39**
